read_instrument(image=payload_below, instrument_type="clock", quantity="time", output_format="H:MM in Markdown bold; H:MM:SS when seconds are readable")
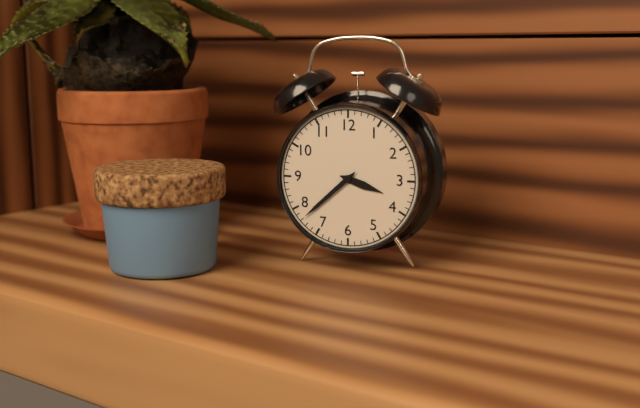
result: **3:38**
